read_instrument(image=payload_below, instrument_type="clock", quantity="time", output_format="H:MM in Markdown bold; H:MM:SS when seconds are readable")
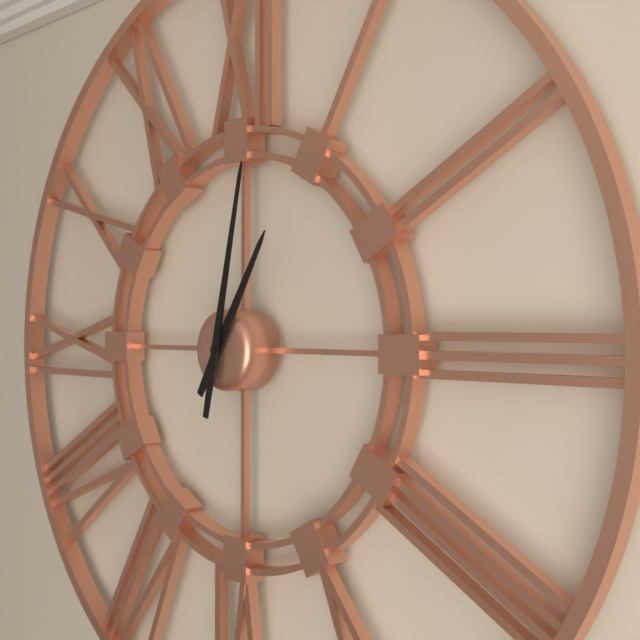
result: **1:02**
